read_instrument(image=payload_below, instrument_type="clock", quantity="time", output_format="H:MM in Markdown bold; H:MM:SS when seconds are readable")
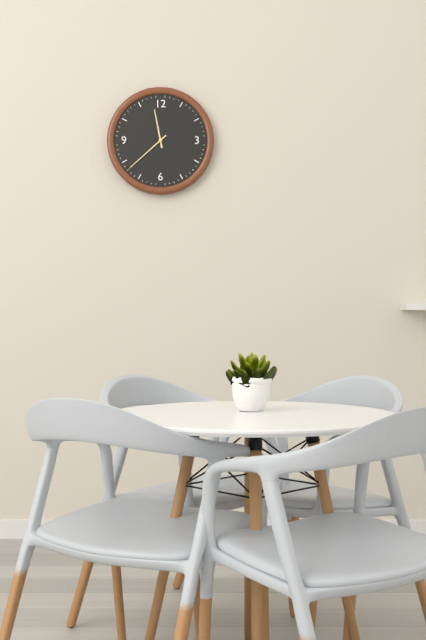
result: **11:38**
